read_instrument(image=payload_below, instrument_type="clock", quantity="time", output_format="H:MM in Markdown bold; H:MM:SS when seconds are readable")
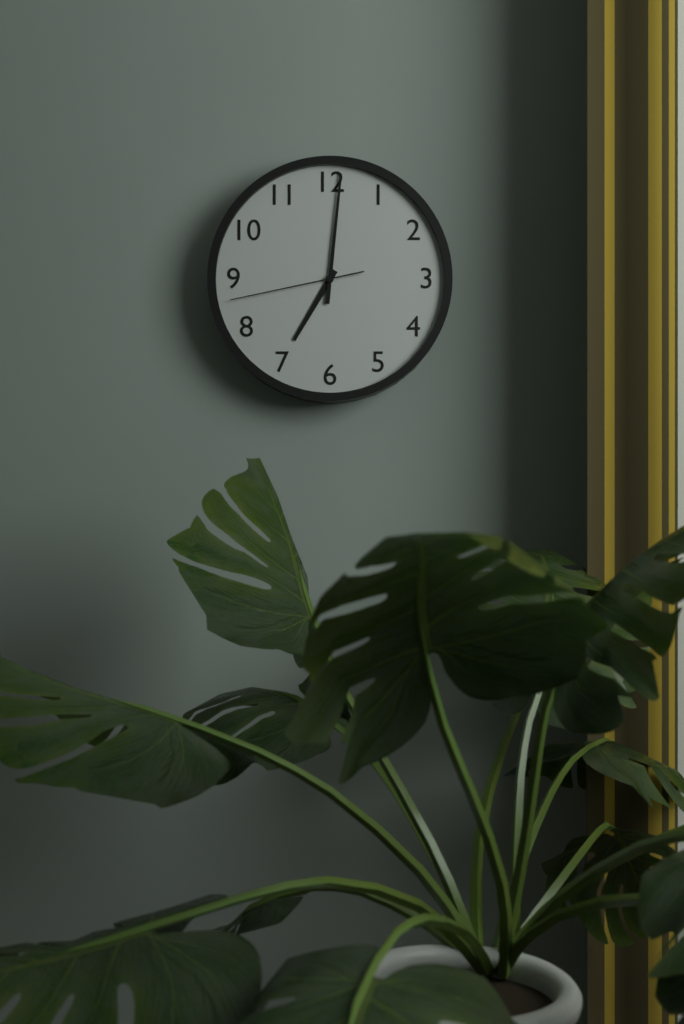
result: **7:01:43**
